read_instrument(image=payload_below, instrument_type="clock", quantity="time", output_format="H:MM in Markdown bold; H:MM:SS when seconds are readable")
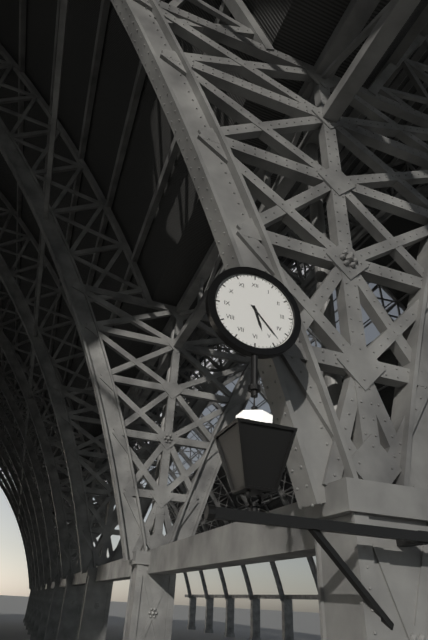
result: **5:23**
